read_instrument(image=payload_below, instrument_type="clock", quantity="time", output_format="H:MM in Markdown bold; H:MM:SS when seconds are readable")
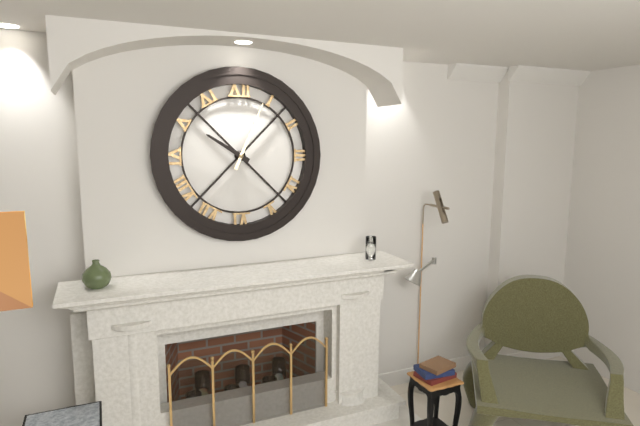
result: **10:04**
